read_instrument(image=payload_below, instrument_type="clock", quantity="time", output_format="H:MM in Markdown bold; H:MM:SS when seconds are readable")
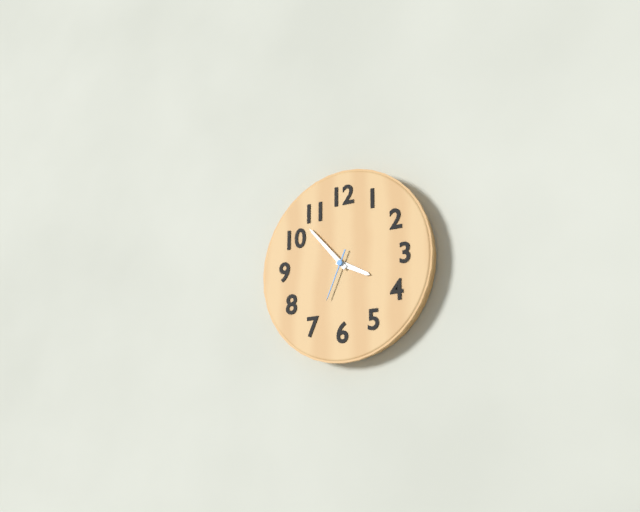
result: **3:53:34**
